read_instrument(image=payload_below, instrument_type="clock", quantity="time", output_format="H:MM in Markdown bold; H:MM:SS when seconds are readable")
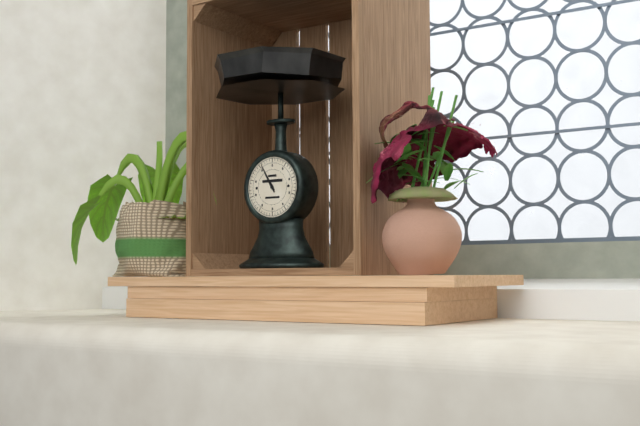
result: **10:55**
